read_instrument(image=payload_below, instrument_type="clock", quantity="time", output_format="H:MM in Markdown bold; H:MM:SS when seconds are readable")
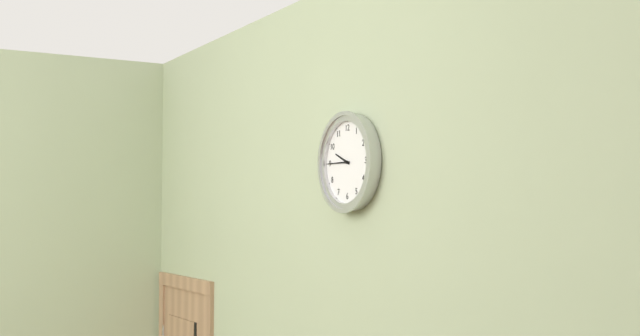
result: **9:45**
